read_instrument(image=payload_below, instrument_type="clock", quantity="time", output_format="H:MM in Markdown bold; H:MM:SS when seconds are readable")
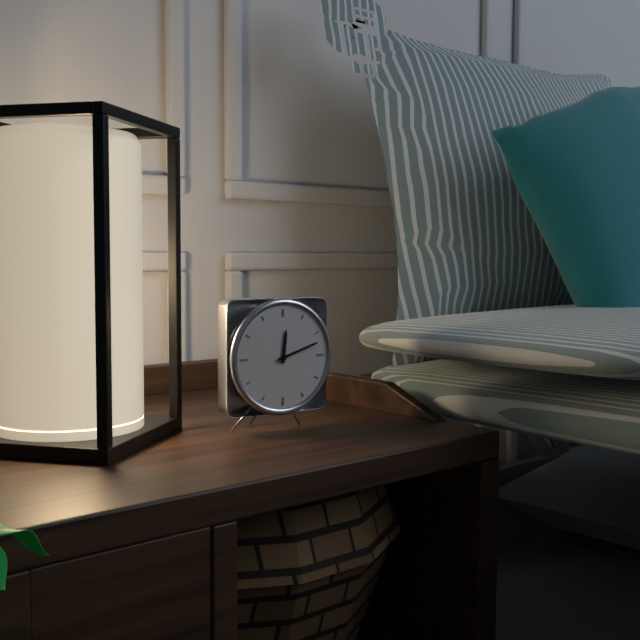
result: **12:12**
